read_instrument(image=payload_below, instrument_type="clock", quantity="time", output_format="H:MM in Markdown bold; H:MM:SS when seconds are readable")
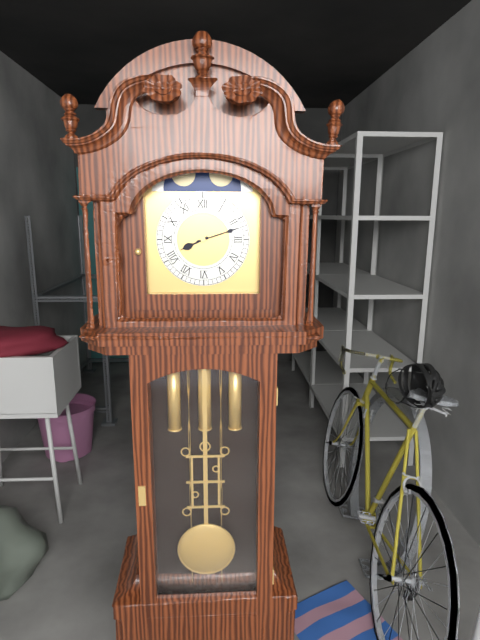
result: **8:12**
